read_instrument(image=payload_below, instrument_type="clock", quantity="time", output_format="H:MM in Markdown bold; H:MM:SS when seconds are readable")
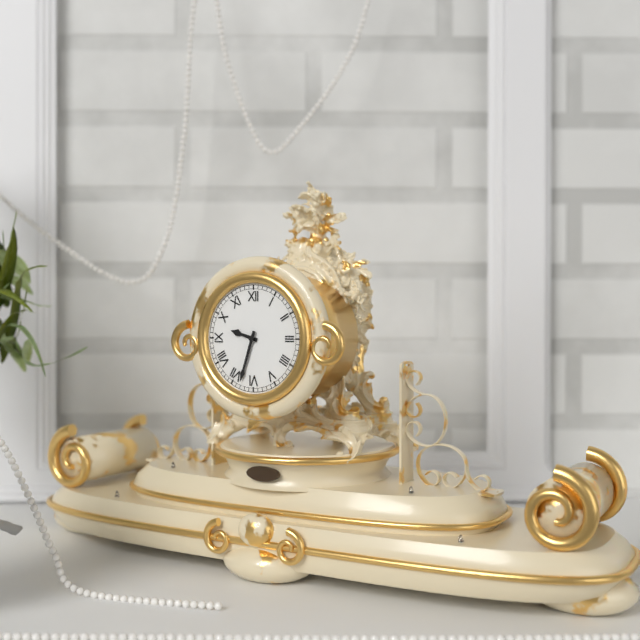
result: **9:33**
